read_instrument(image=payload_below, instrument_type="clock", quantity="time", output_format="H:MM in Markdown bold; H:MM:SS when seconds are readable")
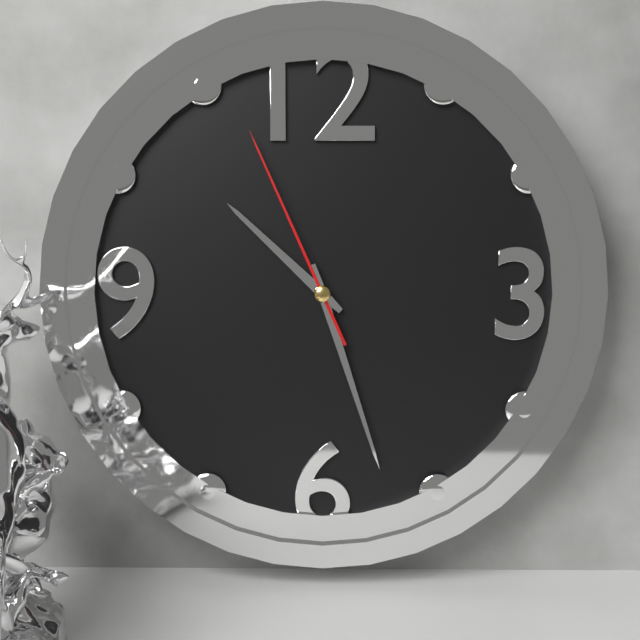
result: **10:27:56**
